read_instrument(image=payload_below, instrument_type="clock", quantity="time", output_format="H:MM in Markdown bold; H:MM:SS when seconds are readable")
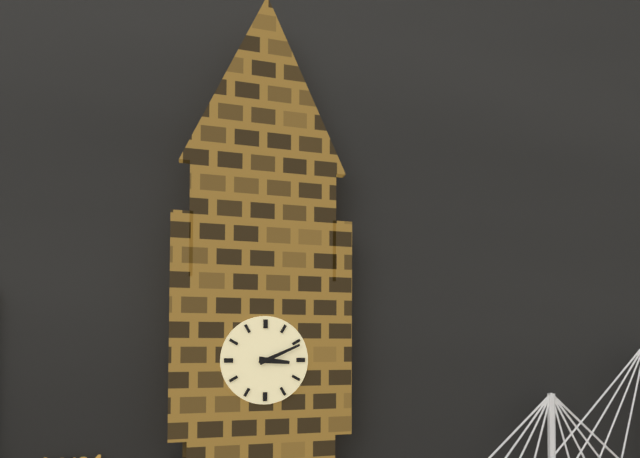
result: **3:11**
